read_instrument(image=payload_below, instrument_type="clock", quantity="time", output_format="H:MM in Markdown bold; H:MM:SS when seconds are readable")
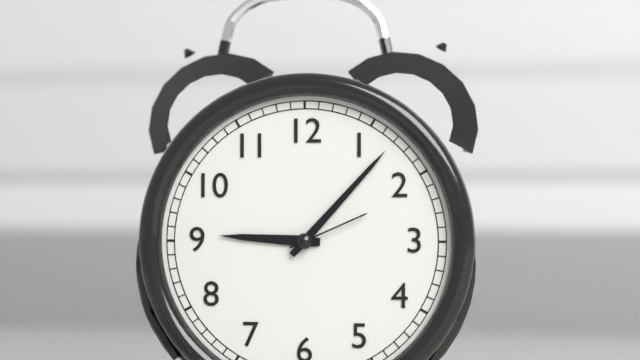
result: **9:07:11**
